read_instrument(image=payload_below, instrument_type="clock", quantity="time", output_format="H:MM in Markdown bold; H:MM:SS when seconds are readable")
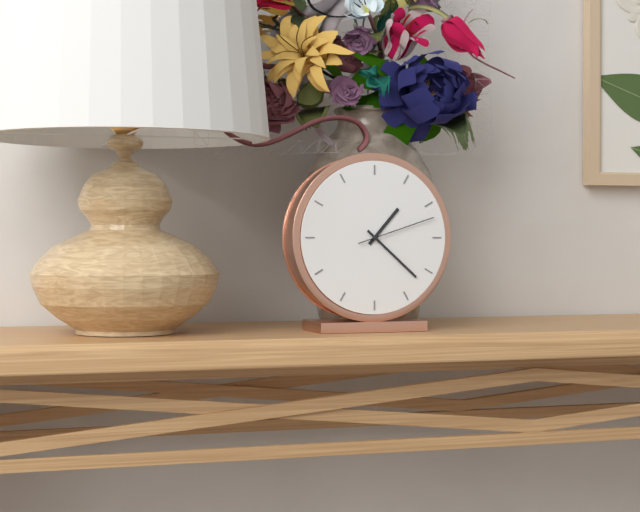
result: **1:22:12**
